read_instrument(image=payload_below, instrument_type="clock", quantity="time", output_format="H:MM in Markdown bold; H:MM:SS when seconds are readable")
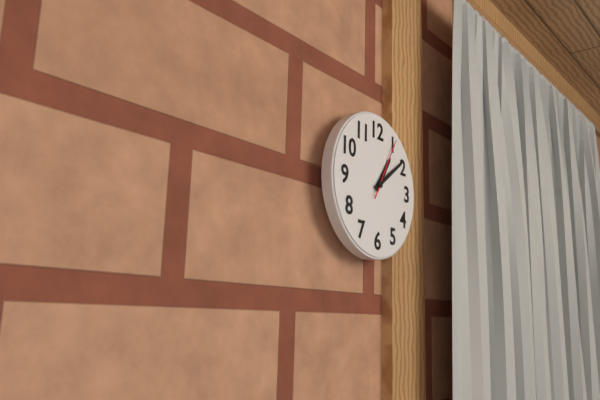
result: **1:09:05**
